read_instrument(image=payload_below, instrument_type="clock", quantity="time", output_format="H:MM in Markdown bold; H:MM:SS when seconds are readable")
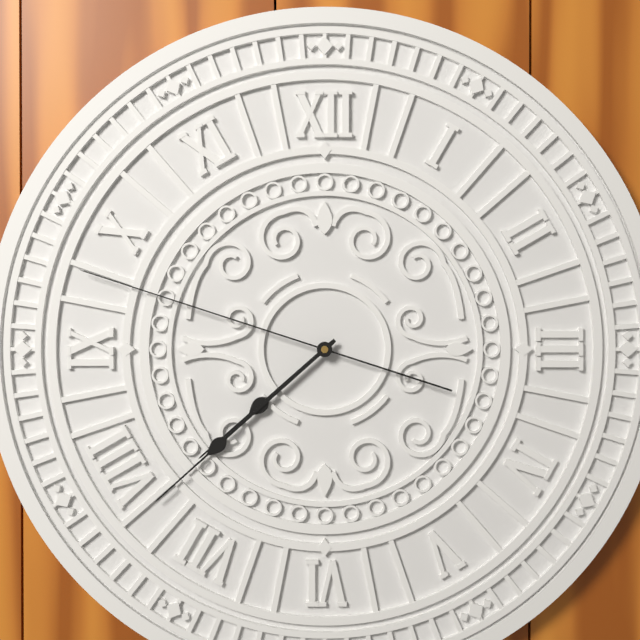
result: **7:38:48**
